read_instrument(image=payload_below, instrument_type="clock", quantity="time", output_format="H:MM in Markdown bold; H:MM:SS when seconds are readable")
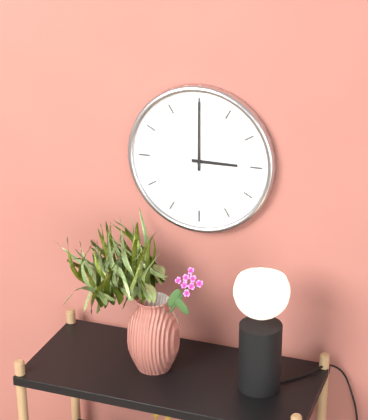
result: **3:00**
